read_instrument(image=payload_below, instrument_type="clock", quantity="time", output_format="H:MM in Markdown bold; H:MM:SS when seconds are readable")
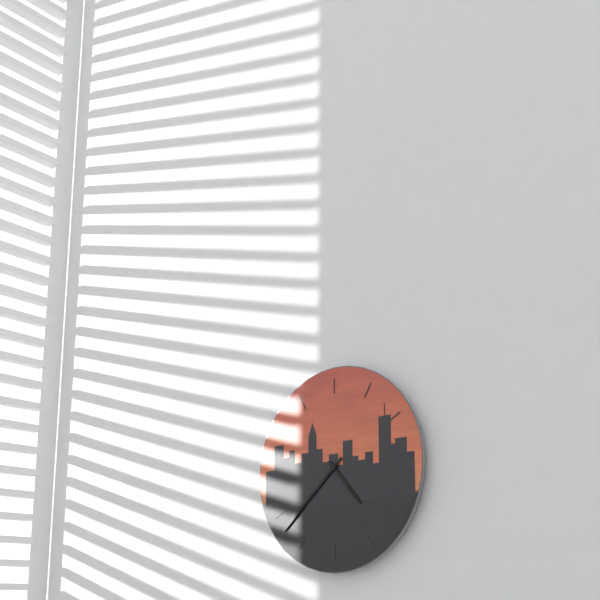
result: **4:38**
